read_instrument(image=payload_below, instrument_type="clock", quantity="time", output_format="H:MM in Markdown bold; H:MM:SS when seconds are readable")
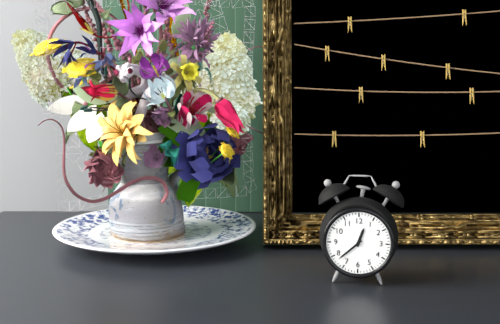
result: **12:38**
